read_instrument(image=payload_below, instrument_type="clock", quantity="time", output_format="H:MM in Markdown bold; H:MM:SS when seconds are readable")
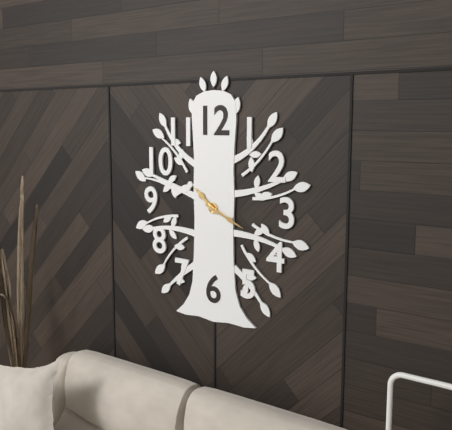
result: **10:19**
